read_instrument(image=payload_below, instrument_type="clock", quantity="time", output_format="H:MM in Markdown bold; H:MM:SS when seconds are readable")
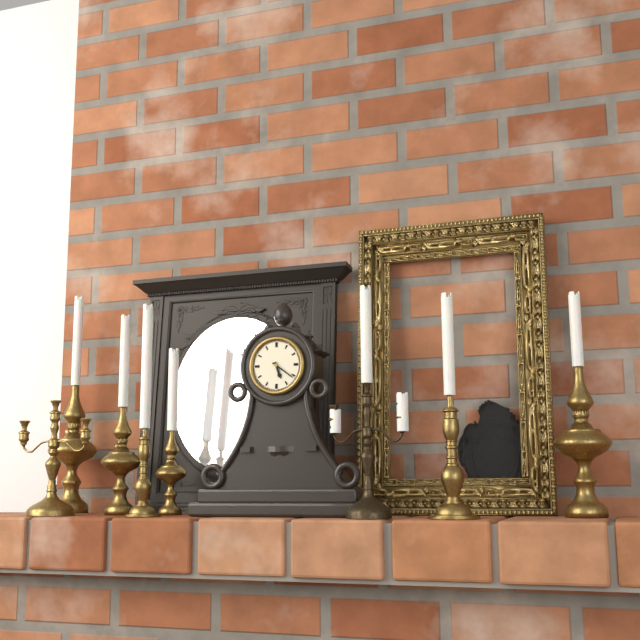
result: **5:21**
